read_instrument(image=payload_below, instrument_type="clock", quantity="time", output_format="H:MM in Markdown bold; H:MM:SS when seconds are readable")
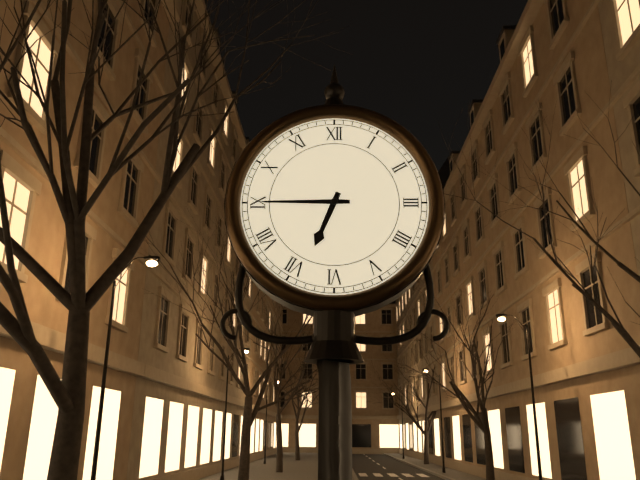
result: **6:45**
